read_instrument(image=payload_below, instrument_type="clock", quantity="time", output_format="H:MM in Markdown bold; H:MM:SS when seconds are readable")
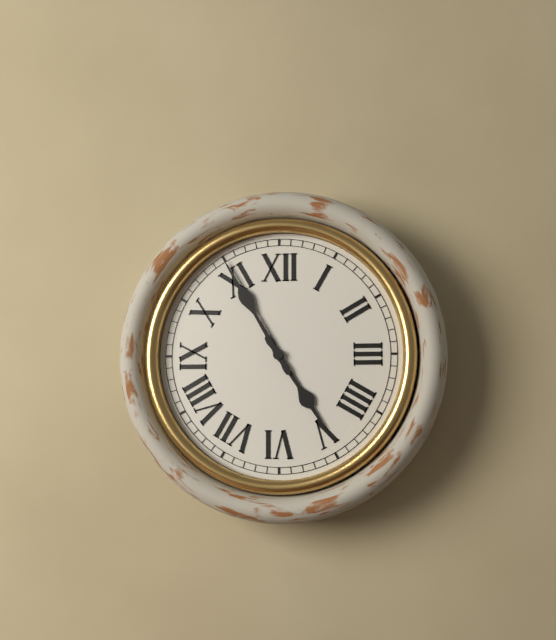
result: **4:55**
